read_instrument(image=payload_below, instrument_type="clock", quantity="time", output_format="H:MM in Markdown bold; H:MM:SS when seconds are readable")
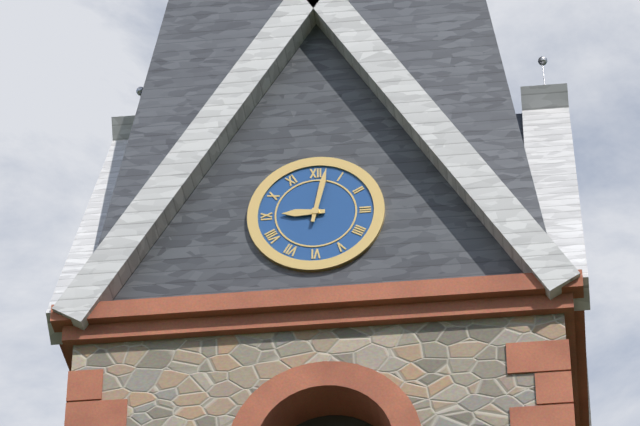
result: **9:02**
